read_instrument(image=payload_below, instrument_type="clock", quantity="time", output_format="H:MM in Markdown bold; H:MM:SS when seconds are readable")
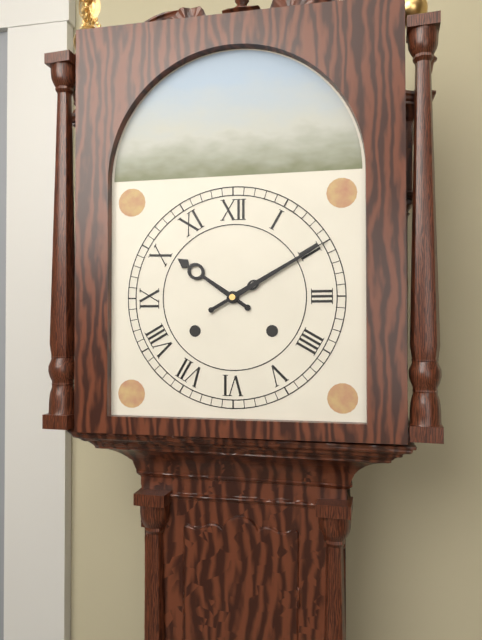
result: **10:10**
